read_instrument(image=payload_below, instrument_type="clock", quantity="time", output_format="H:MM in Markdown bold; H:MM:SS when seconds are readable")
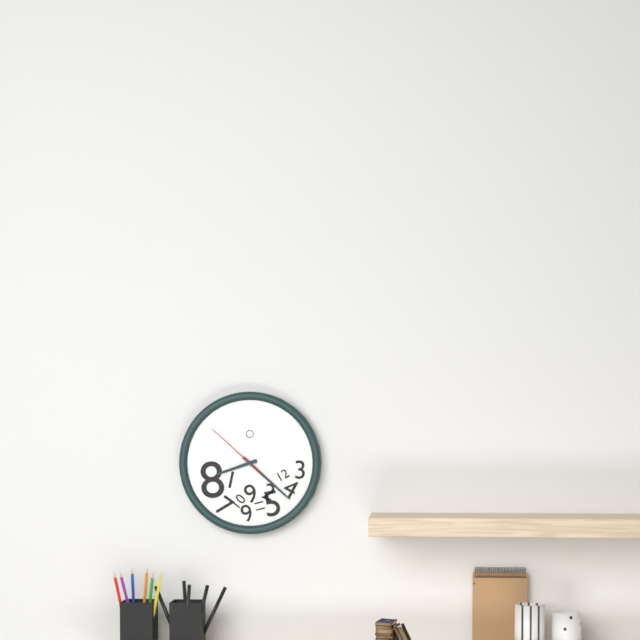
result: **8:22:52**
